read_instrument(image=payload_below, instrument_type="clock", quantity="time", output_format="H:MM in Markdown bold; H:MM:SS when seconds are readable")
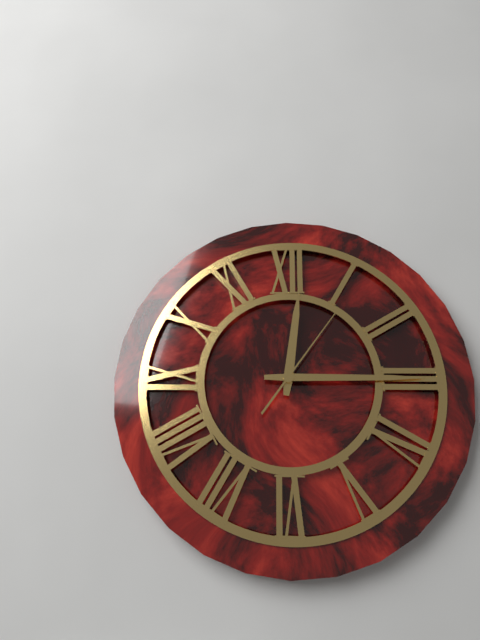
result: **12:15:06**
